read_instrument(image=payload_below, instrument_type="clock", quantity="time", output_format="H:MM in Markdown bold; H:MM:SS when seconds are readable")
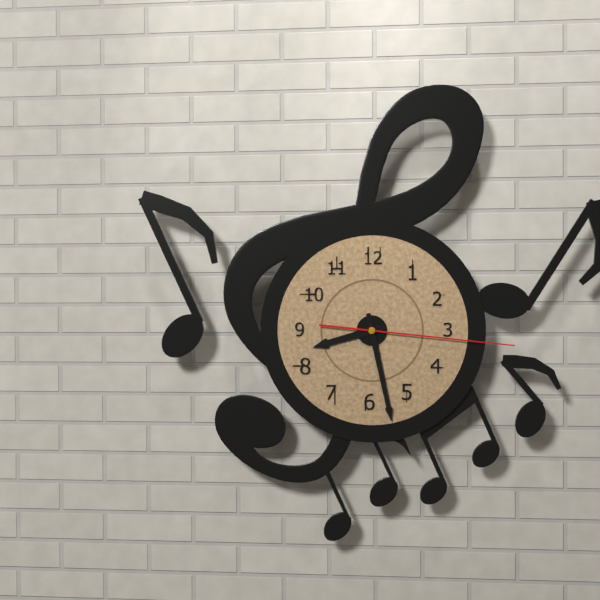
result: **8:28:16**
